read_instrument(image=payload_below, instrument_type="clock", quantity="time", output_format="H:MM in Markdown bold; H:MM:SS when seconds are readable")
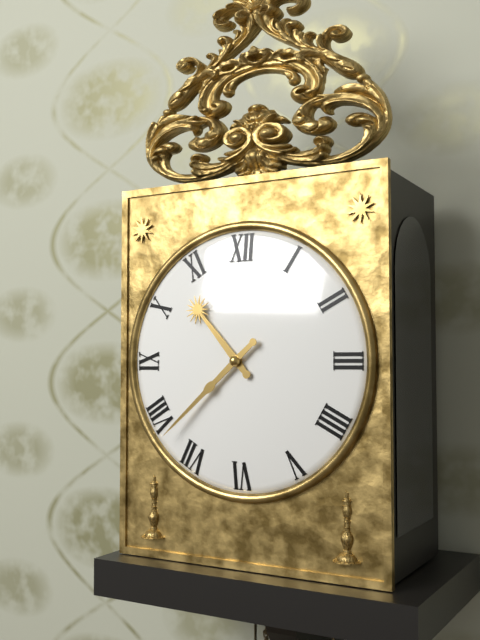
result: **10:38**
